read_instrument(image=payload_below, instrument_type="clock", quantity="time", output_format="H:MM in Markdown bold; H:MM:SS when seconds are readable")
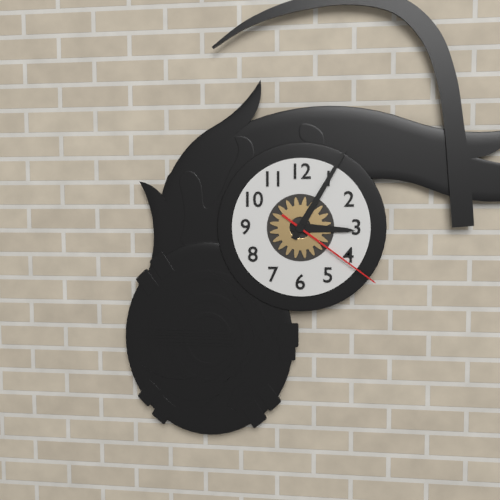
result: **3:05:21**
